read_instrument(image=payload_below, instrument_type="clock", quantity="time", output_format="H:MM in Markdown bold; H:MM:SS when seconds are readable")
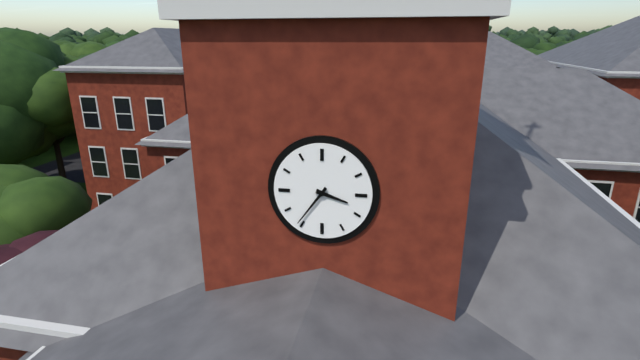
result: **3:36**
